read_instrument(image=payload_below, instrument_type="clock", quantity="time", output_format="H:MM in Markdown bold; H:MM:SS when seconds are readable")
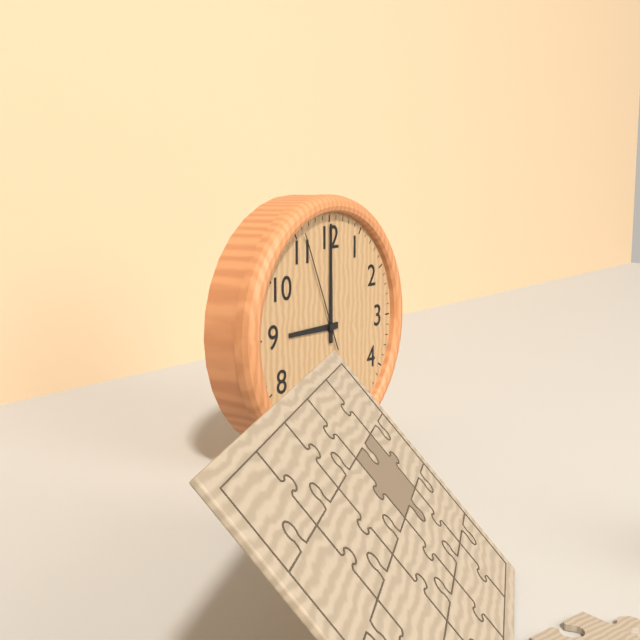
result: **9:00:56**
